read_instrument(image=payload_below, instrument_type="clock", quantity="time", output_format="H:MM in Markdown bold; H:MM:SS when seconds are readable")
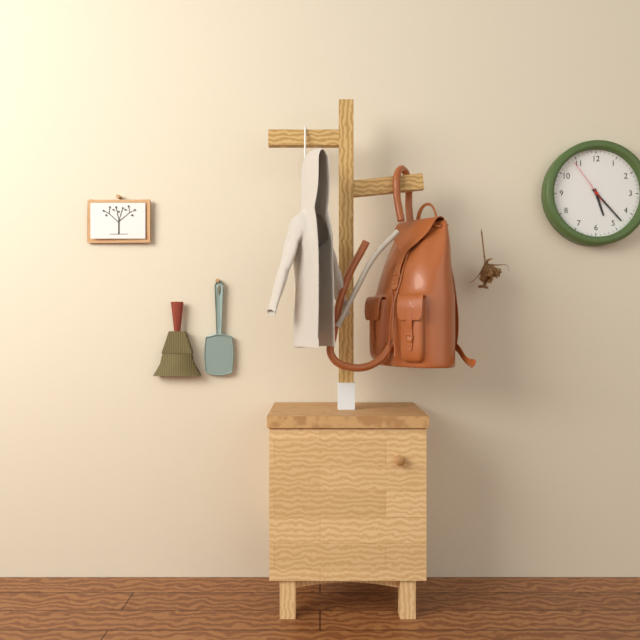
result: **5:23**
